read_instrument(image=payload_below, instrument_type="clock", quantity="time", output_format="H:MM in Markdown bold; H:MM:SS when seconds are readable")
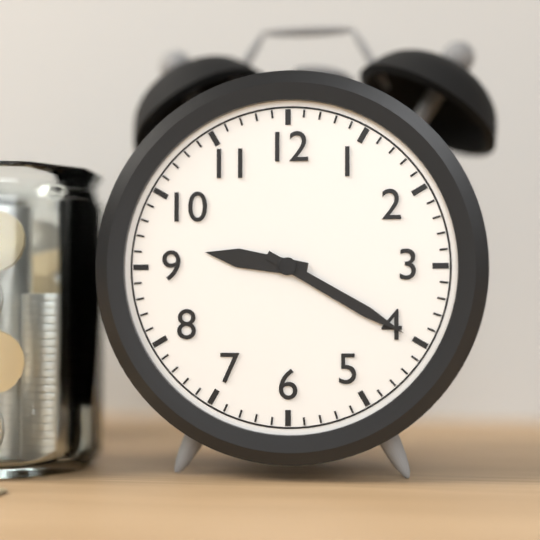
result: **9:20**
